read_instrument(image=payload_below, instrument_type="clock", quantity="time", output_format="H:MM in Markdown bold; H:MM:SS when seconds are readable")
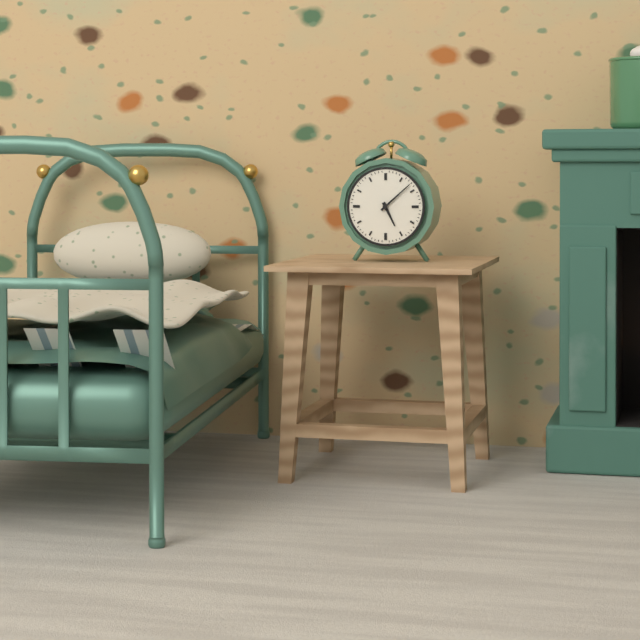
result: **5:08**
